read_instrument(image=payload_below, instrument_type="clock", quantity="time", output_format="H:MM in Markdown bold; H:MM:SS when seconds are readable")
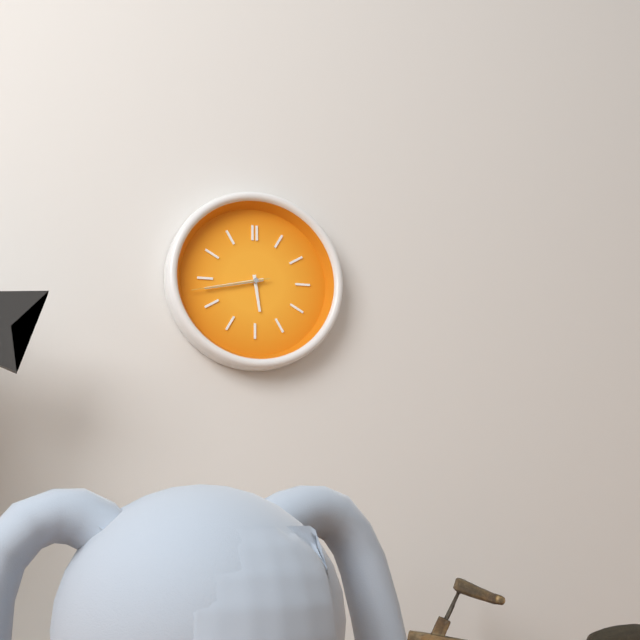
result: **5:43:43**
